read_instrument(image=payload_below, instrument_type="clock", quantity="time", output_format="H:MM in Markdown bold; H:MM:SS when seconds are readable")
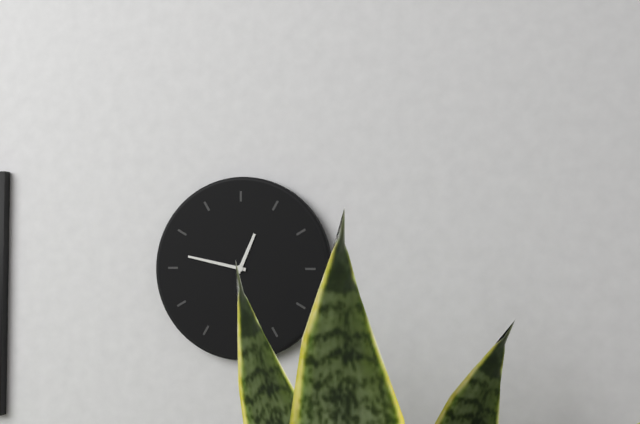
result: **12:47**
